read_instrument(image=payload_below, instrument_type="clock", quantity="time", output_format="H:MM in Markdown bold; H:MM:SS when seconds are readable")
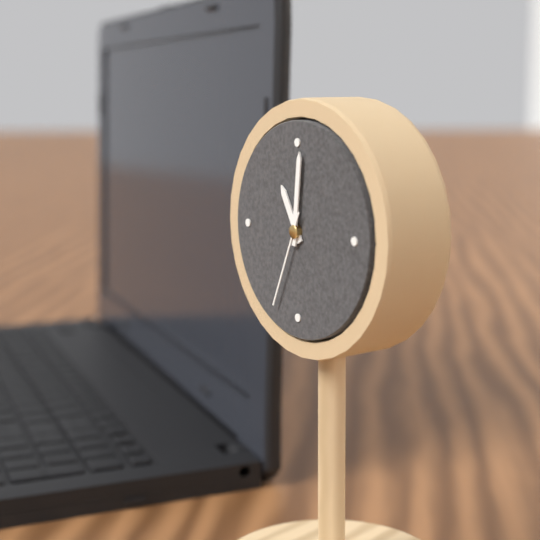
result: **11:01:34**
